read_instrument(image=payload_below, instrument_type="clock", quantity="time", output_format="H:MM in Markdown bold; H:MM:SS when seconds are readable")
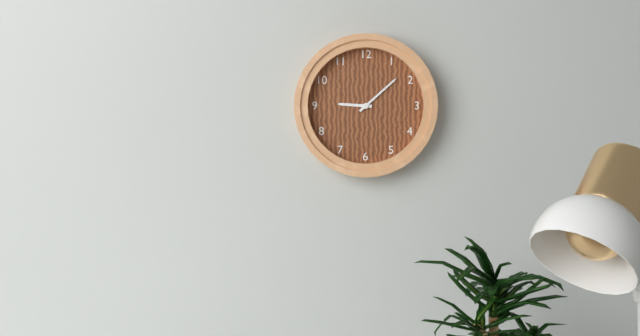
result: **9:08**
